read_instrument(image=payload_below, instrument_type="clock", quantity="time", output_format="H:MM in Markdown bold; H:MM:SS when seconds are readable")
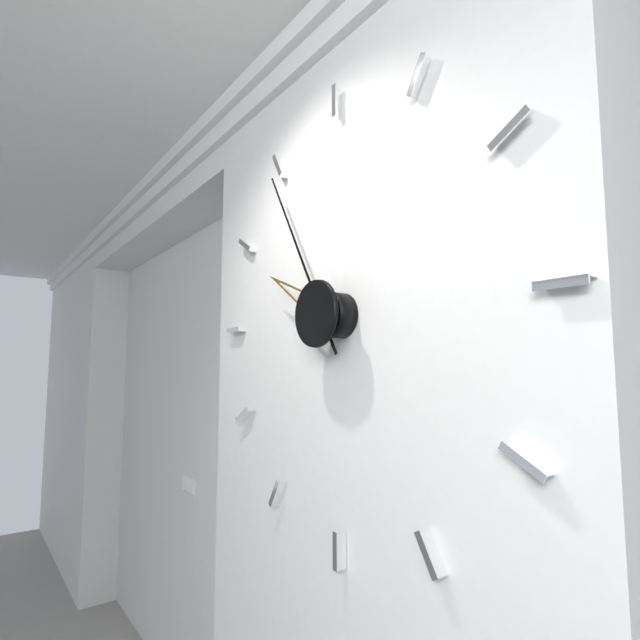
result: **9:55**
